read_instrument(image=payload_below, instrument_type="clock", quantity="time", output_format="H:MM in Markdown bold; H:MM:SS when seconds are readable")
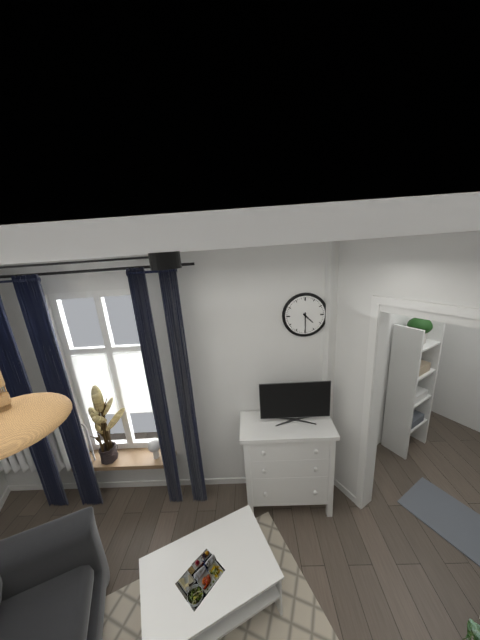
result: **4:30**
